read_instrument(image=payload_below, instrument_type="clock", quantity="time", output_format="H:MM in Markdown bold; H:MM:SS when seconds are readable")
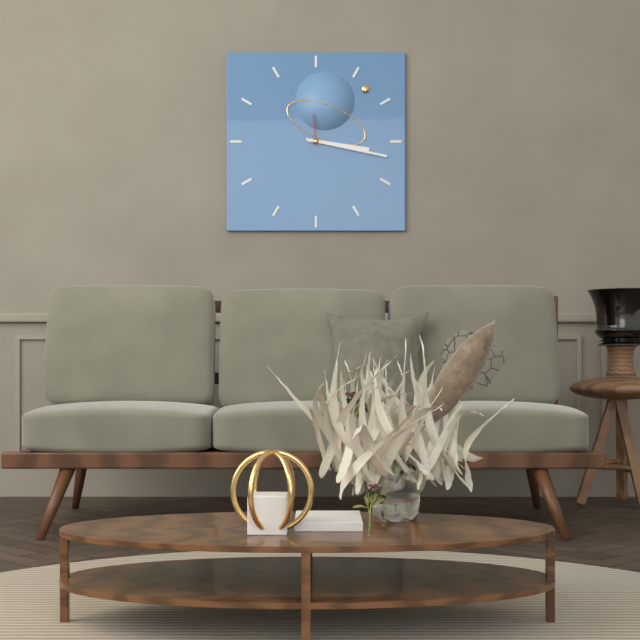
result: **3:17**
